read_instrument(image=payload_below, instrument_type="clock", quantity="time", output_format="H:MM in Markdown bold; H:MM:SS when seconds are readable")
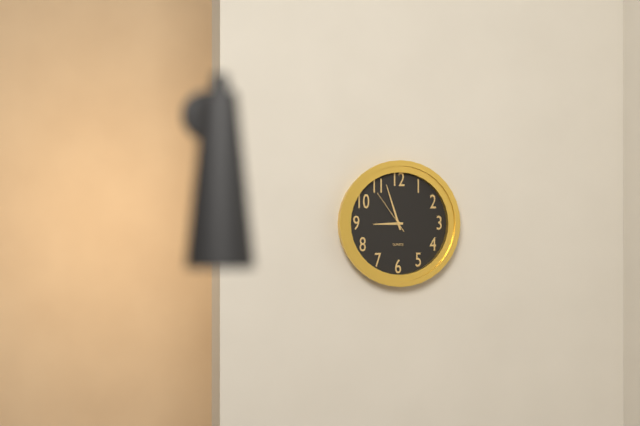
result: **8:57**
